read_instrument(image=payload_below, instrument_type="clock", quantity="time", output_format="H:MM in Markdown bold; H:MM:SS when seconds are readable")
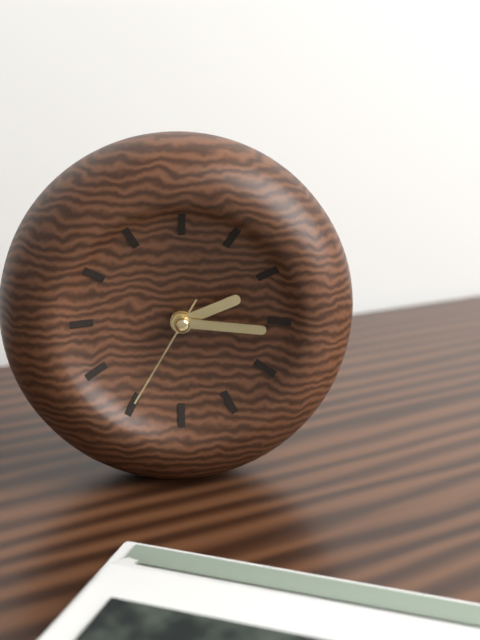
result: **2:16:35**
